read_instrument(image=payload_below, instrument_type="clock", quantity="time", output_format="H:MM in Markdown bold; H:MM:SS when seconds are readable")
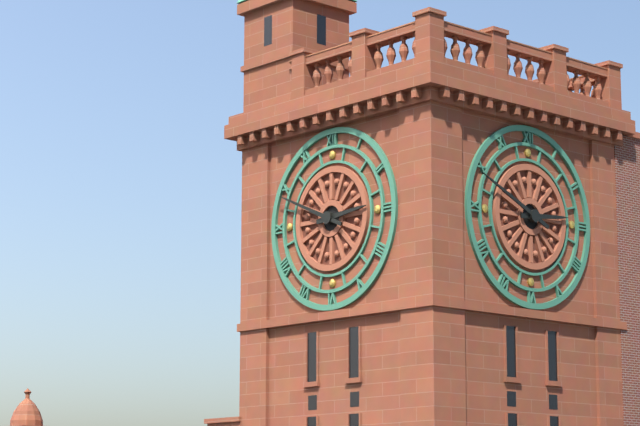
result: **2:49**
